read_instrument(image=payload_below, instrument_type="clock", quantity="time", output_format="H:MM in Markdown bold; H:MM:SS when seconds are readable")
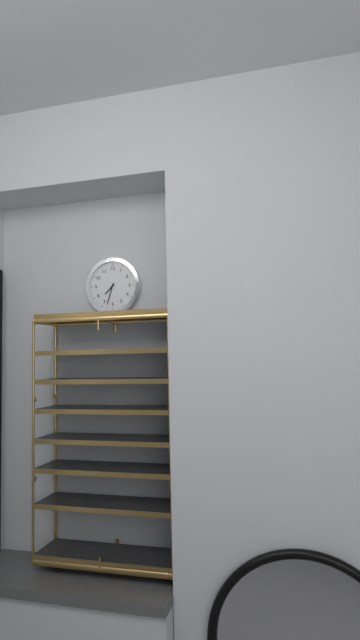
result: **7:33**
